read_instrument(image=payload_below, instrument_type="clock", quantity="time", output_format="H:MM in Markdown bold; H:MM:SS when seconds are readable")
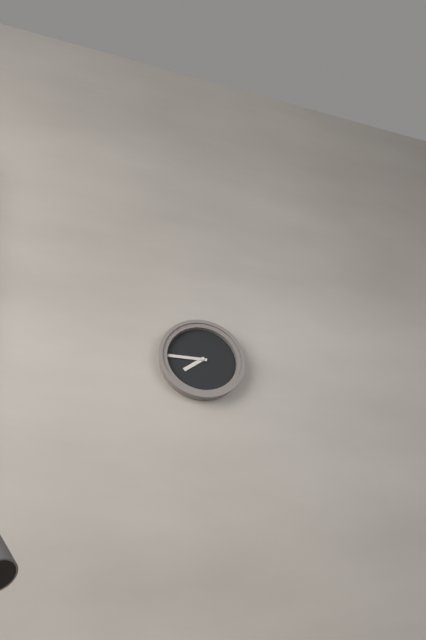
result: **7:45**
